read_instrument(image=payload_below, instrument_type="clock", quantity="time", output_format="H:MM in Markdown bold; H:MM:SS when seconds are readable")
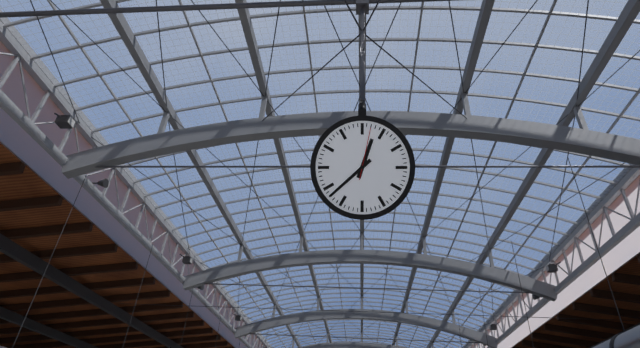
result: **12:38:02**
